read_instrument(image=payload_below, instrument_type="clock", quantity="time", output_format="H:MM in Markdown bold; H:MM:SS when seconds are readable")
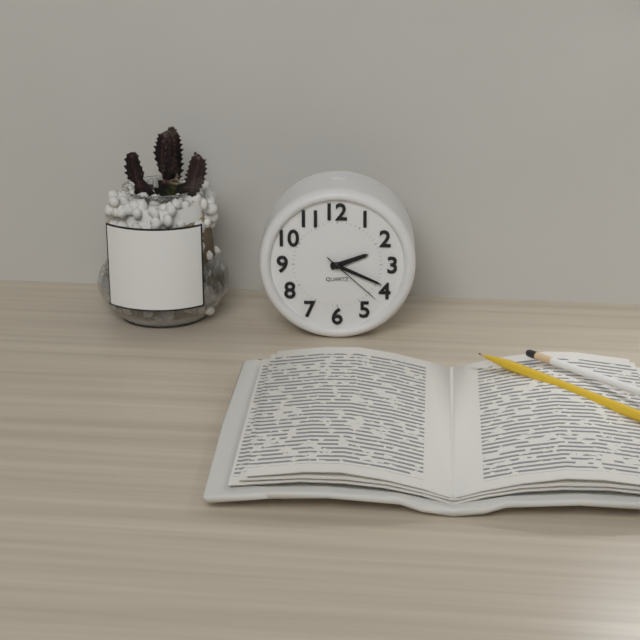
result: **2:19:22**
